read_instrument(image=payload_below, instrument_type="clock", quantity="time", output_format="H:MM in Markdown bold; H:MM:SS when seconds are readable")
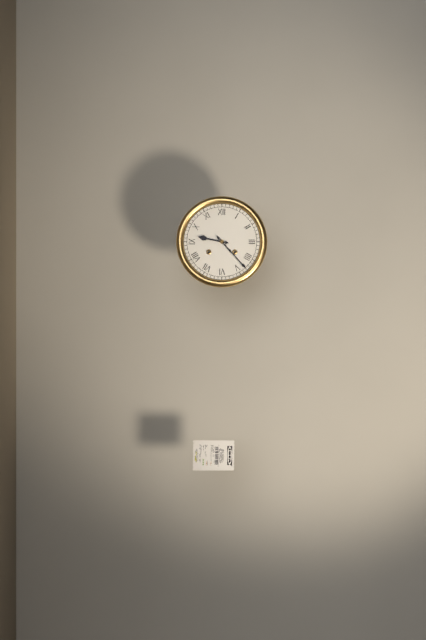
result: **9:23**
